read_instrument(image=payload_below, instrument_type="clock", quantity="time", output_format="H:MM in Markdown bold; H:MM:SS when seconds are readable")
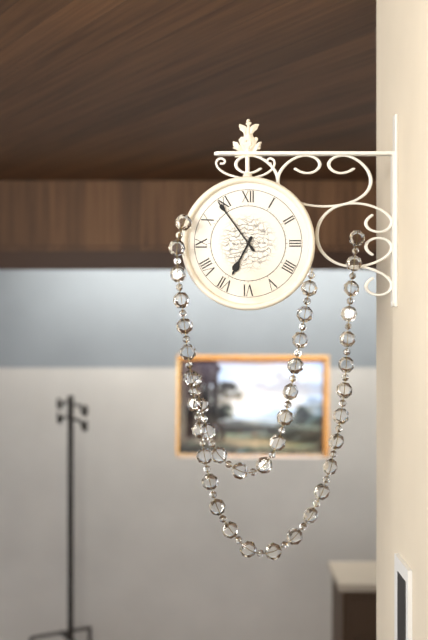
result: **6:54**
